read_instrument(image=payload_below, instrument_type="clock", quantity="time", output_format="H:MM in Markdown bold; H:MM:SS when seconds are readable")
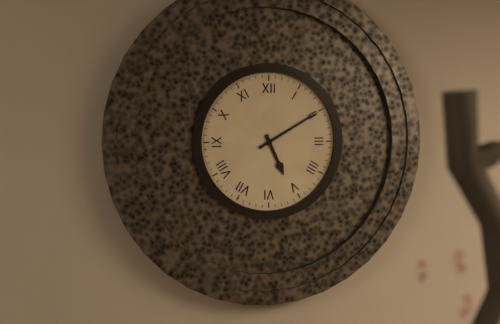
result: **5:10**
